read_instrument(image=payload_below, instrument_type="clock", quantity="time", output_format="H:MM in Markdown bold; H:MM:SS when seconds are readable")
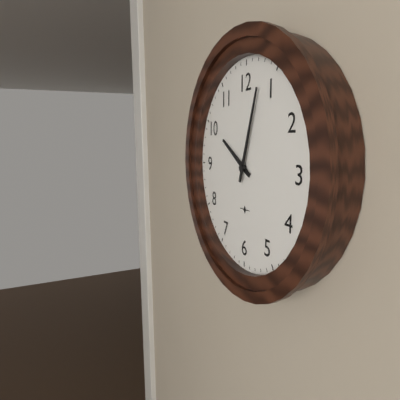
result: **10:03**
